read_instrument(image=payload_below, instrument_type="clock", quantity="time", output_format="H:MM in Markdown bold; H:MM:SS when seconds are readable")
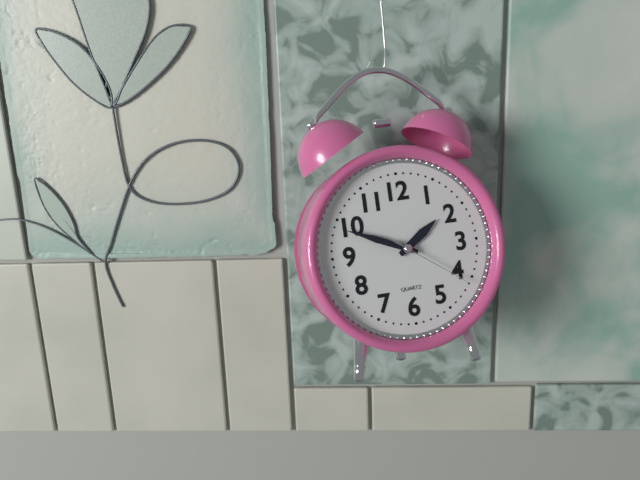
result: **1:49:21**
